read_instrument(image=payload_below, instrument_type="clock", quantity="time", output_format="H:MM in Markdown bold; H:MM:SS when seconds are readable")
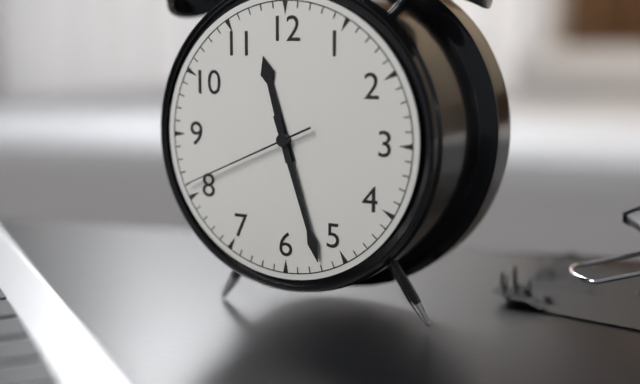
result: **11:27:41**
